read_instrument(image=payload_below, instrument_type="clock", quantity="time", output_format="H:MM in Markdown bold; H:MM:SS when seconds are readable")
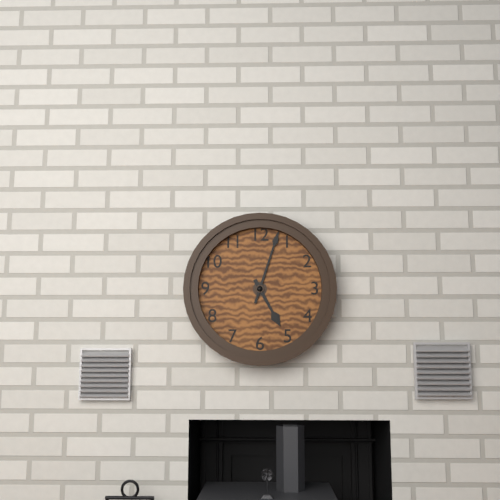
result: **5:03**
